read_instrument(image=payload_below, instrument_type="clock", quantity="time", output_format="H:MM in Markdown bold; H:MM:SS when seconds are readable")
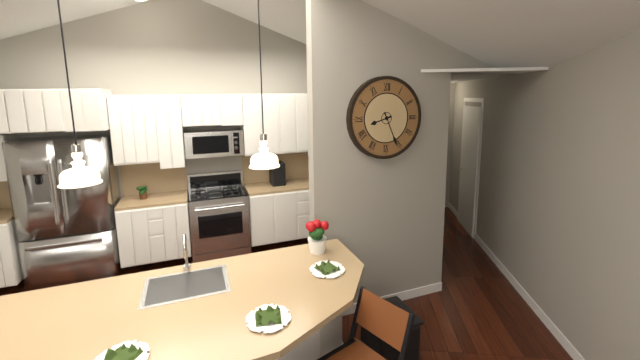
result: **8:26**
